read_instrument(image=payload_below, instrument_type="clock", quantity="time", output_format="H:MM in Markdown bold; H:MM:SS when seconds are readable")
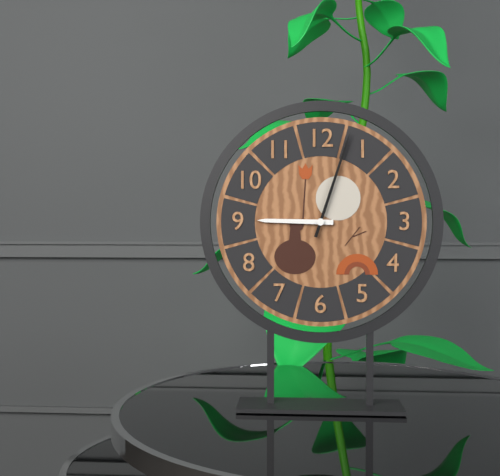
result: **9:03**
